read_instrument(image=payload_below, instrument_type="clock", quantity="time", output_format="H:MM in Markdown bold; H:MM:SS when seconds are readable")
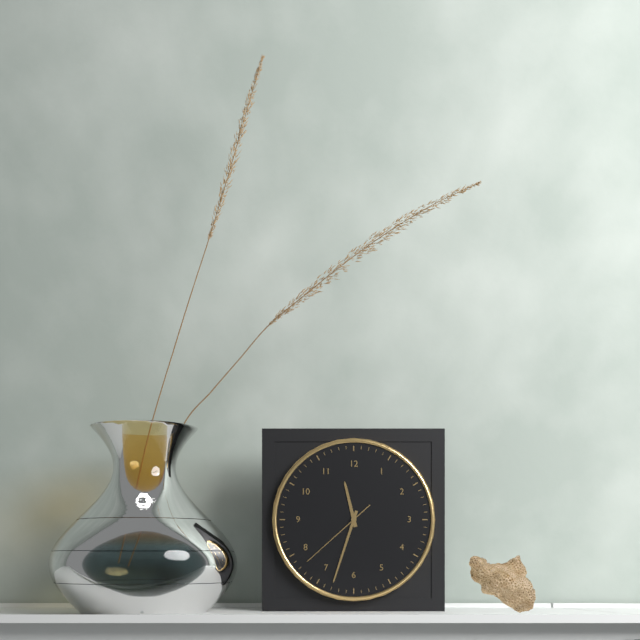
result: **11:33:38**
